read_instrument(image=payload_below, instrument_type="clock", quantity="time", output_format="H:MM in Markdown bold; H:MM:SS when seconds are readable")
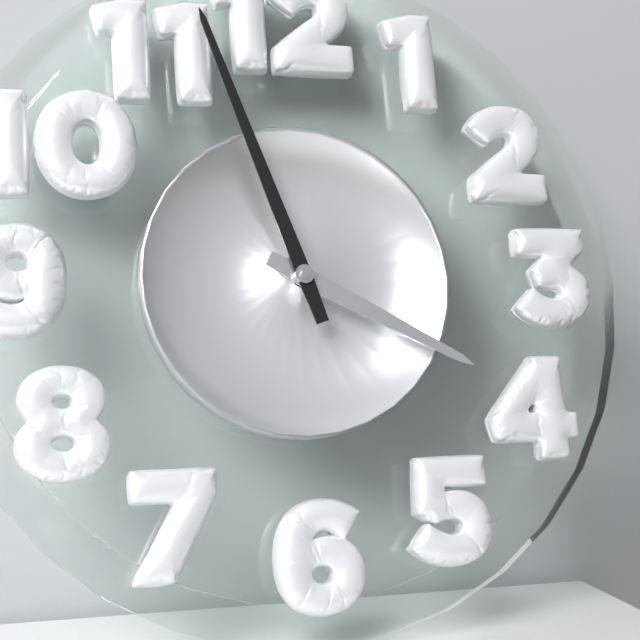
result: **3:57**
